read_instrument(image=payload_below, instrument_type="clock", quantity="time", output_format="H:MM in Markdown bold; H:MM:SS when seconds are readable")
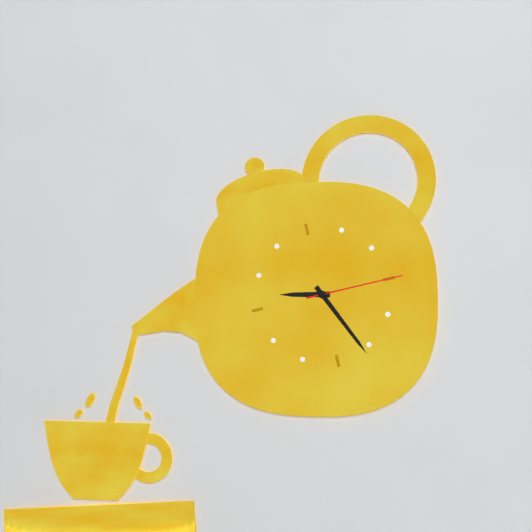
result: **9:26:15**
